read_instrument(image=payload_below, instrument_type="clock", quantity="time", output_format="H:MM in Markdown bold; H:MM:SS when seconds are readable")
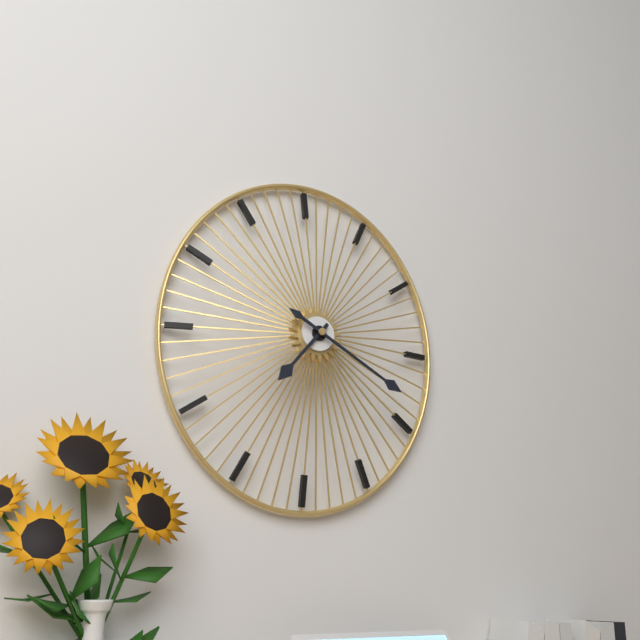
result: **7:20**
